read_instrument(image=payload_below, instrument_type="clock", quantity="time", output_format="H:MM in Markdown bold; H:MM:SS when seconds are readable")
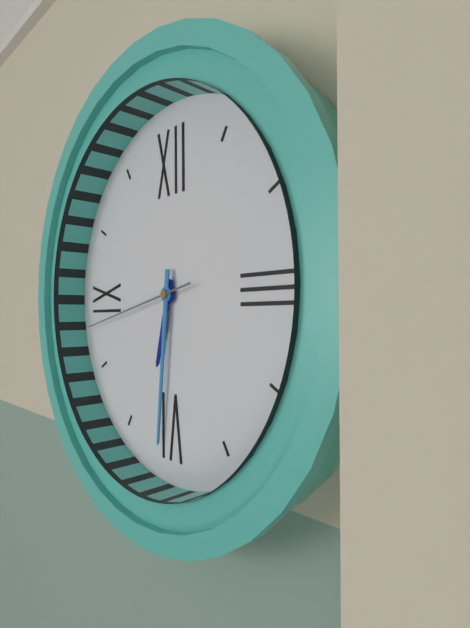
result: **6:31:43**
